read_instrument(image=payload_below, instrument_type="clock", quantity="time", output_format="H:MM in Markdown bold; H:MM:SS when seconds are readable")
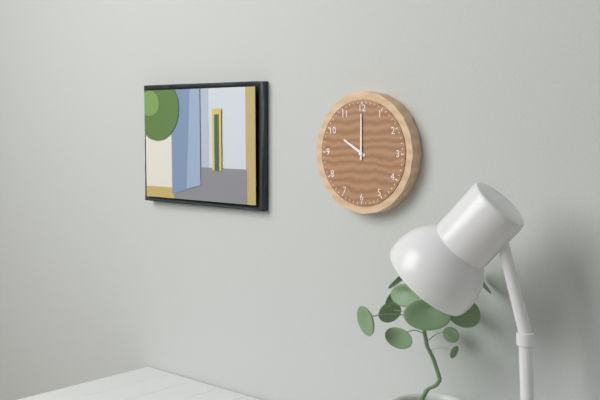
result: **10:00**
